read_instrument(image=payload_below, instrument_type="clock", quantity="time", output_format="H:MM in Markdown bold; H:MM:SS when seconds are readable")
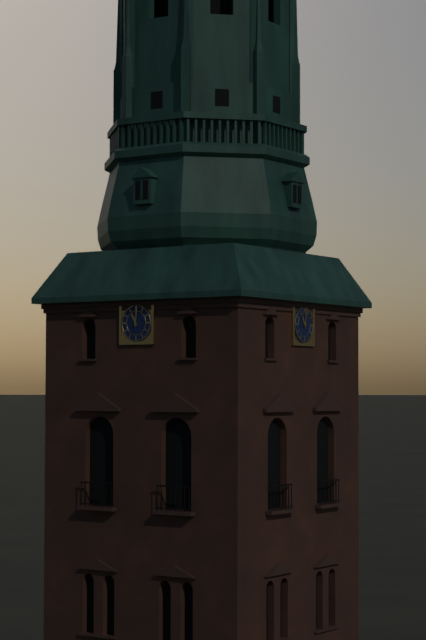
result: **11:01**
